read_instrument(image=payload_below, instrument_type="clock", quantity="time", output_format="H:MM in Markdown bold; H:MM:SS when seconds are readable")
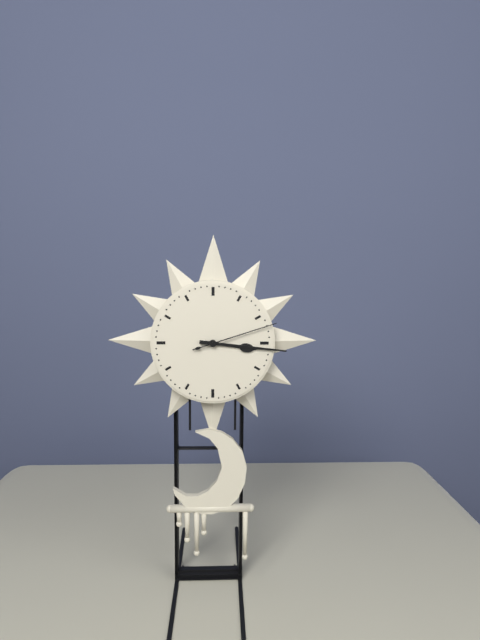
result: **3:16:12**
